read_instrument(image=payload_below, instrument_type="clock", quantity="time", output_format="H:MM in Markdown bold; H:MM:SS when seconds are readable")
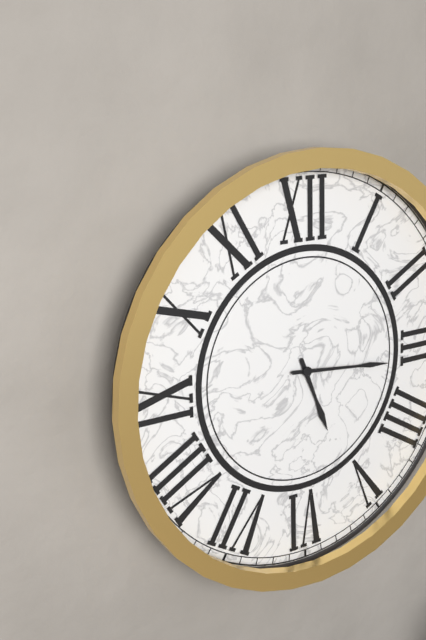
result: **5:16**
